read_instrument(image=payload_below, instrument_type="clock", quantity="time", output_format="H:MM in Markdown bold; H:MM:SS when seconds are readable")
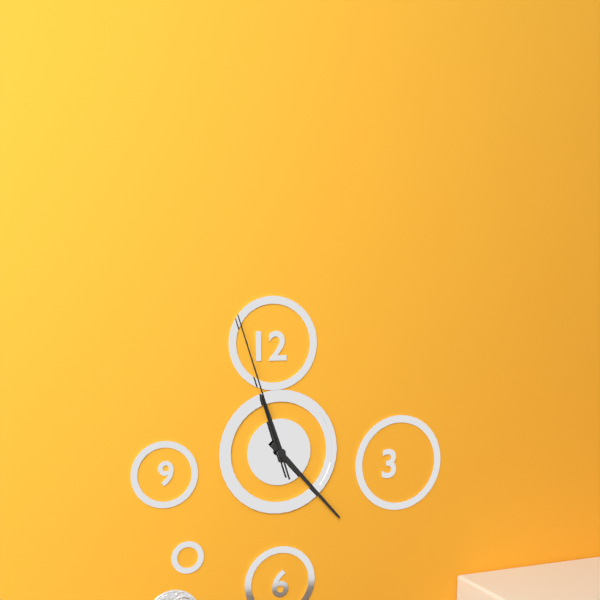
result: **11:23:57**
